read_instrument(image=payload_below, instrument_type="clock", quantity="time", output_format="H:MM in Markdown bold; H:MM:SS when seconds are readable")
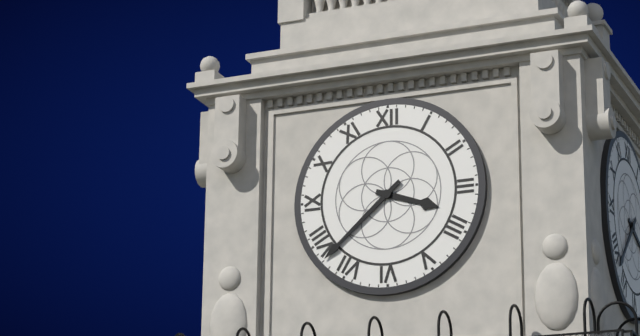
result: **3:38**
